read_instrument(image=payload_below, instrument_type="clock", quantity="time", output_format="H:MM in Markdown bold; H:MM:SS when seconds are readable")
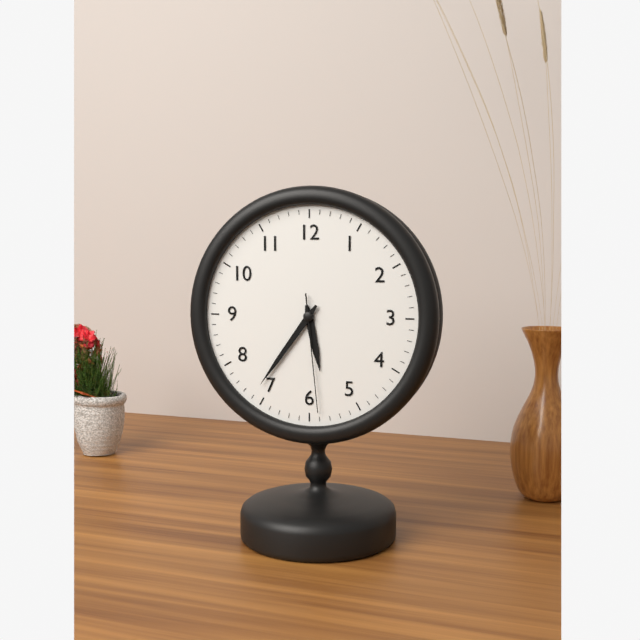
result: **5:36:29**
